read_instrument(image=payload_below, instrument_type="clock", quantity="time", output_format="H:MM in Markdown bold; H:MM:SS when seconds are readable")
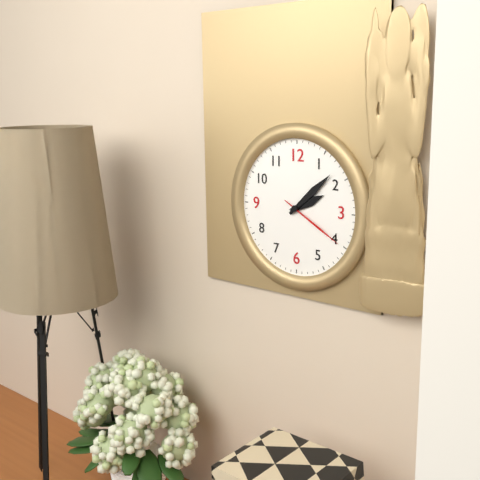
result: **2:08:20**
